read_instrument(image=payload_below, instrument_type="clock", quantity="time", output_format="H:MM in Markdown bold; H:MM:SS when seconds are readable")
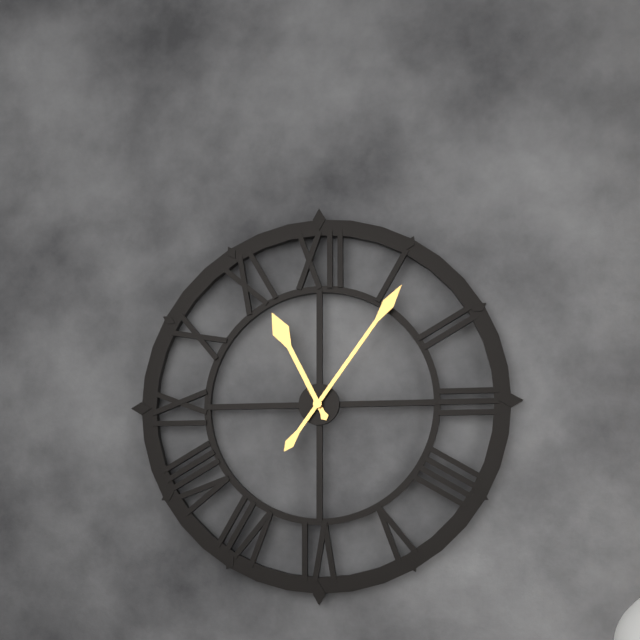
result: **11:06**
